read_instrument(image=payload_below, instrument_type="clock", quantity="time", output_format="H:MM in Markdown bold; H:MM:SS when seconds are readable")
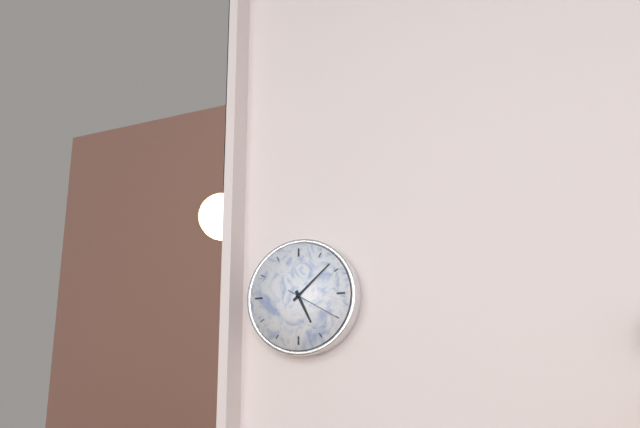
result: **5:08:20**
